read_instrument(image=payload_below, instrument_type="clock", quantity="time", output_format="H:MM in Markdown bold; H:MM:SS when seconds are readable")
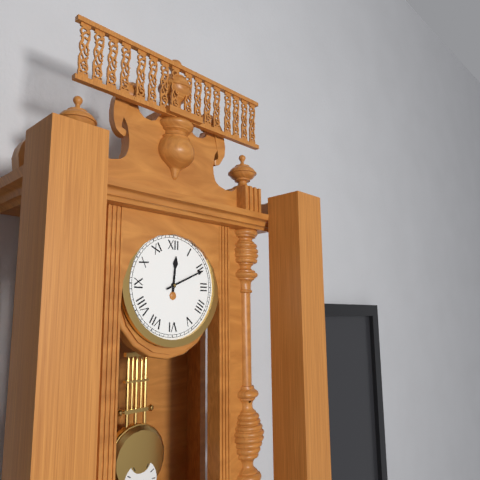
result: **12:11**
